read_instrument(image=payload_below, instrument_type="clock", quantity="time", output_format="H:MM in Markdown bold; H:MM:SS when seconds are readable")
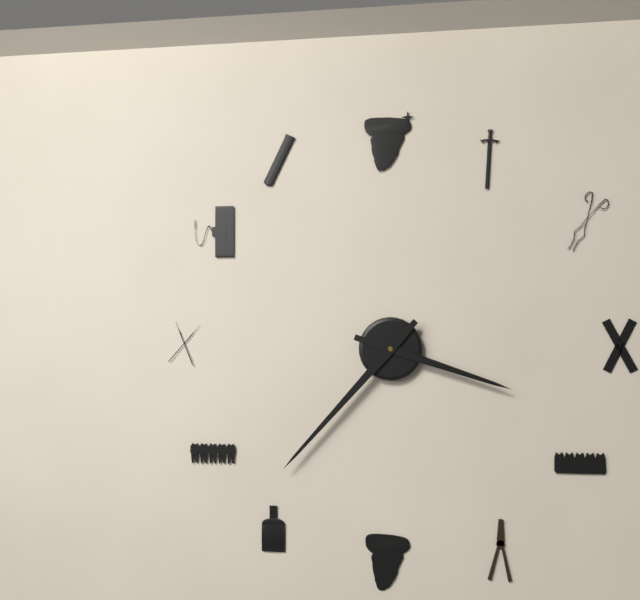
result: **3:37**
